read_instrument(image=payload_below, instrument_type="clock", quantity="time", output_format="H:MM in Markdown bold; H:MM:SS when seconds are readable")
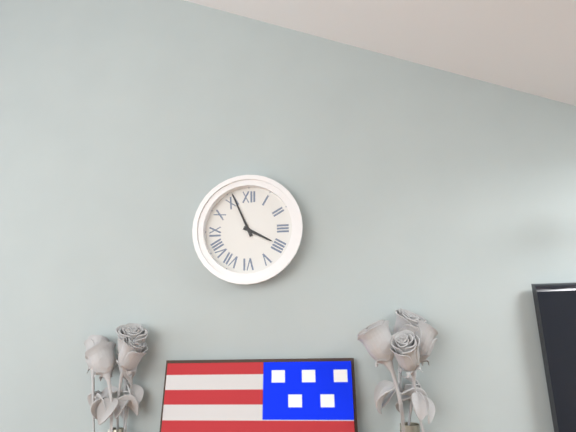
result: **3:56**
